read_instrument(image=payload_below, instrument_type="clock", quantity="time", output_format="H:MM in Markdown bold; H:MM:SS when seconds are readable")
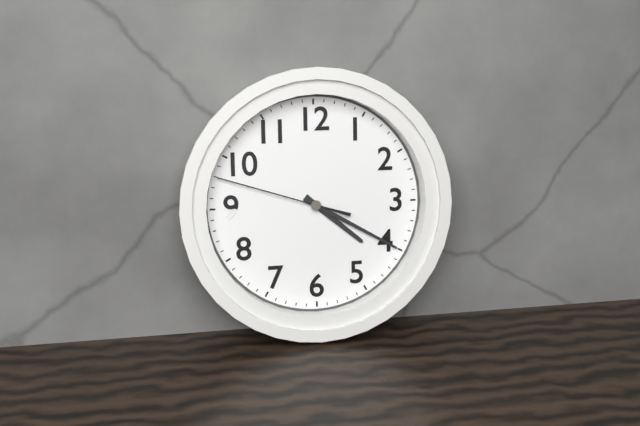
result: **4:20:48**
